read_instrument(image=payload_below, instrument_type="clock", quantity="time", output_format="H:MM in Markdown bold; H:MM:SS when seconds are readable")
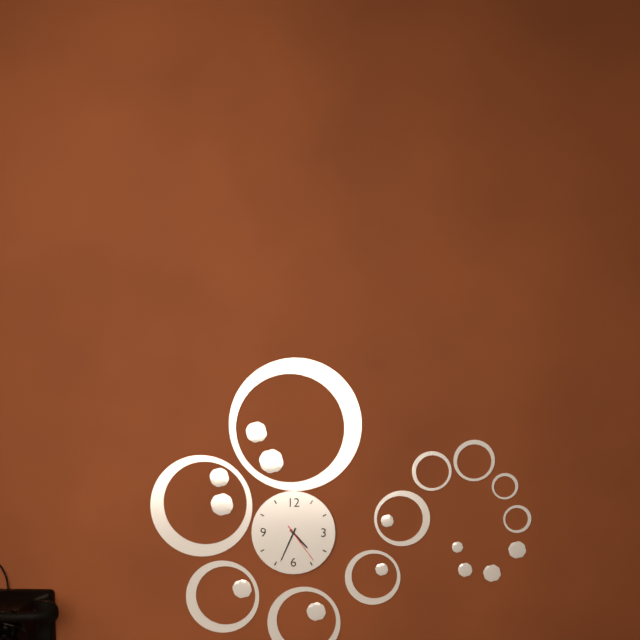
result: **4:34**
